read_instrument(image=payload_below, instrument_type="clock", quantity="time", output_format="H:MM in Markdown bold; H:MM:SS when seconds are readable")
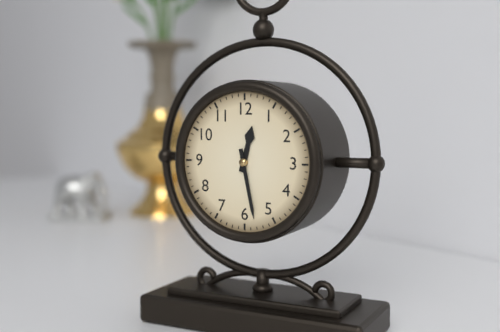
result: **12:28**
